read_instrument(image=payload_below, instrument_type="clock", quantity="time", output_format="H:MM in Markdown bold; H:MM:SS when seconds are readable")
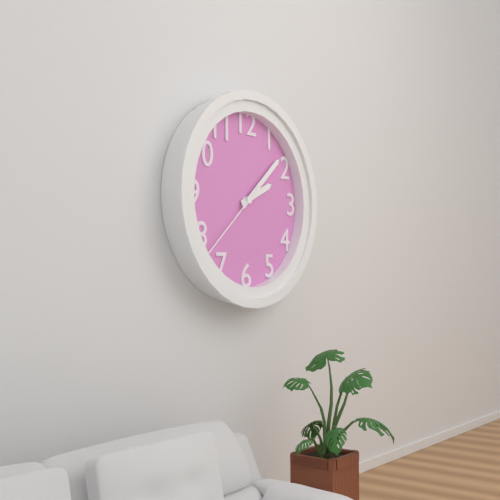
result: **2:08:38**
